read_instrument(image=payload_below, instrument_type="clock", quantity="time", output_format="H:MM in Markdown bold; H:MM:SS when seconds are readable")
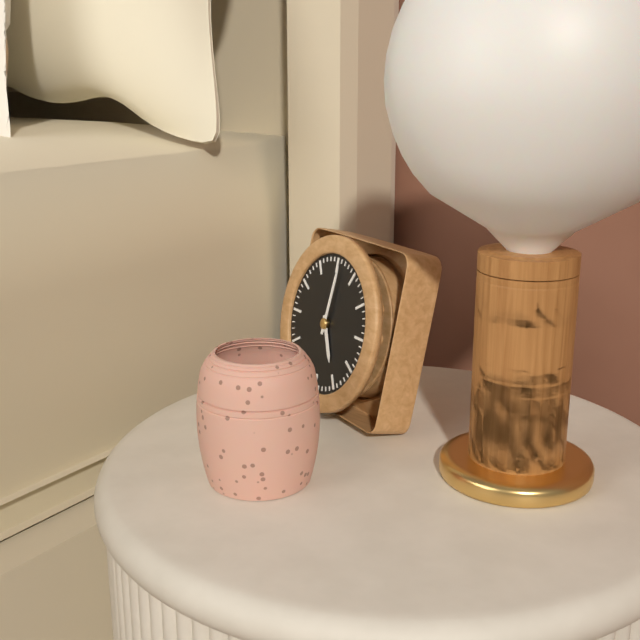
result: **5:01**
